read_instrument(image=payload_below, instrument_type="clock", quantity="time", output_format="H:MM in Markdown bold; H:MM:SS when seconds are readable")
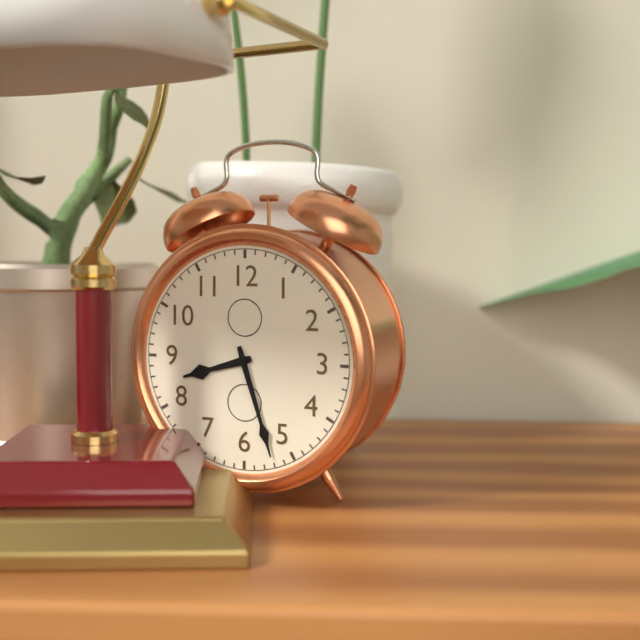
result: **8:27**
